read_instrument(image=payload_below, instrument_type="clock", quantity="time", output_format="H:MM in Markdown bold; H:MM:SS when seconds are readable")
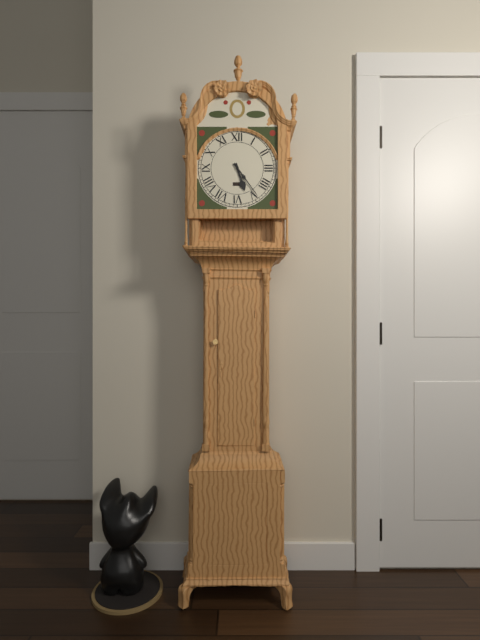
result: **5:24**
